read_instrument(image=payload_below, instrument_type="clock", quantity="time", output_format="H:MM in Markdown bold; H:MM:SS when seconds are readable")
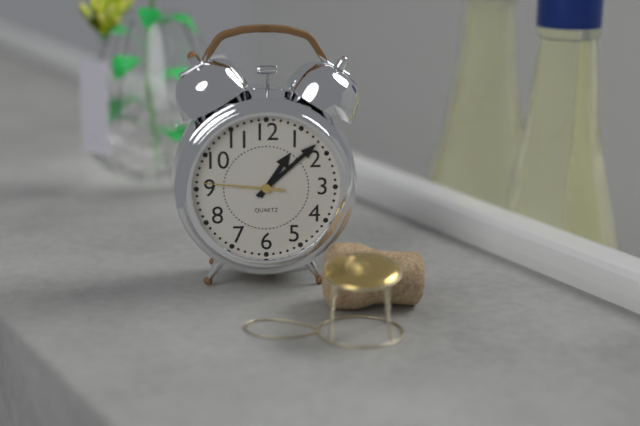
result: **1:08:46**
